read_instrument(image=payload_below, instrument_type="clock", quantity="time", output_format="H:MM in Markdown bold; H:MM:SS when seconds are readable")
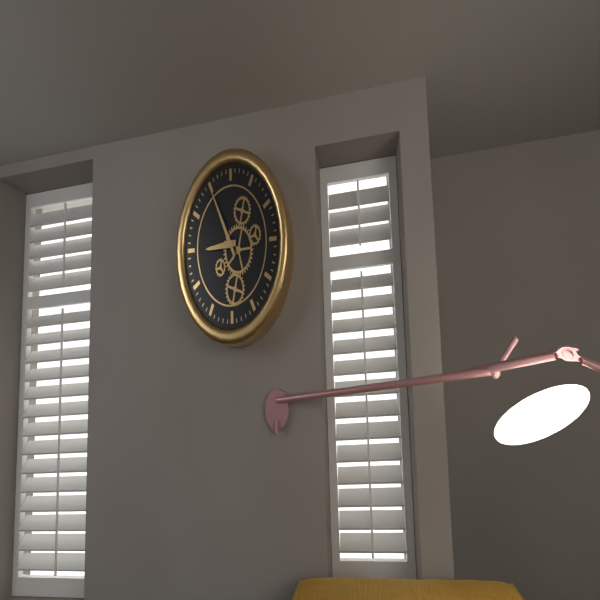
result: **8:55**
